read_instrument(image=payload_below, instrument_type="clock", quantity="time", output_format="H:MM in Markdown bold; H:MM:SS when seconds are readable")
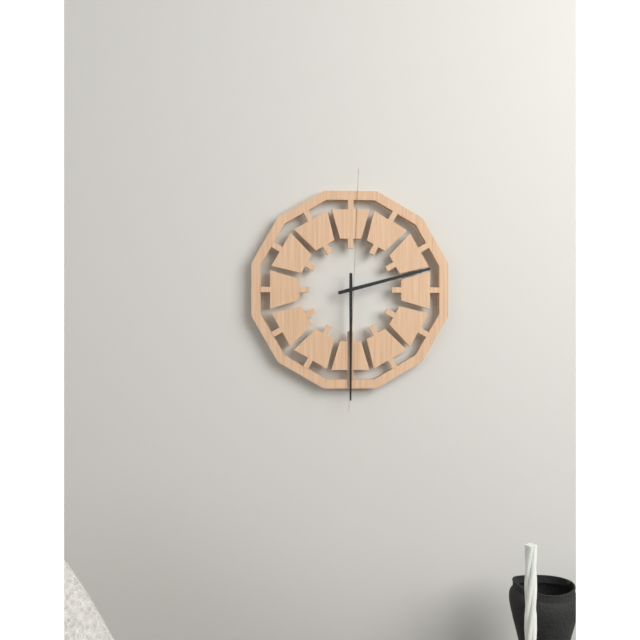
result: **2:30**
